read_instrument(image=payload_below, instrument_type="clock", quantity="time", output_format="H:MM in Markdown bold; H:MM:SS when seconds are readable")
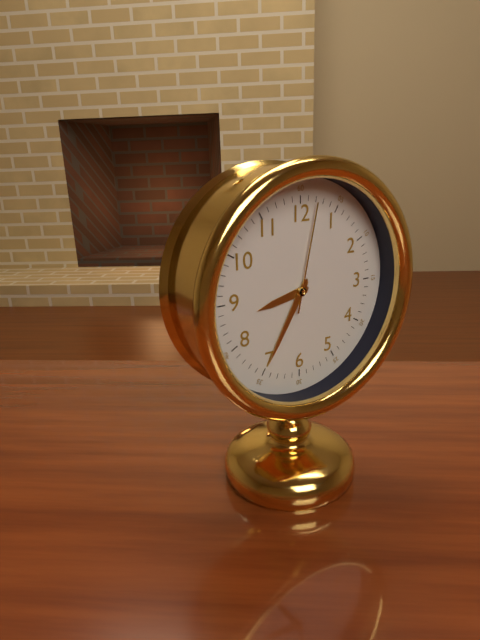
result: **8:35:02**
